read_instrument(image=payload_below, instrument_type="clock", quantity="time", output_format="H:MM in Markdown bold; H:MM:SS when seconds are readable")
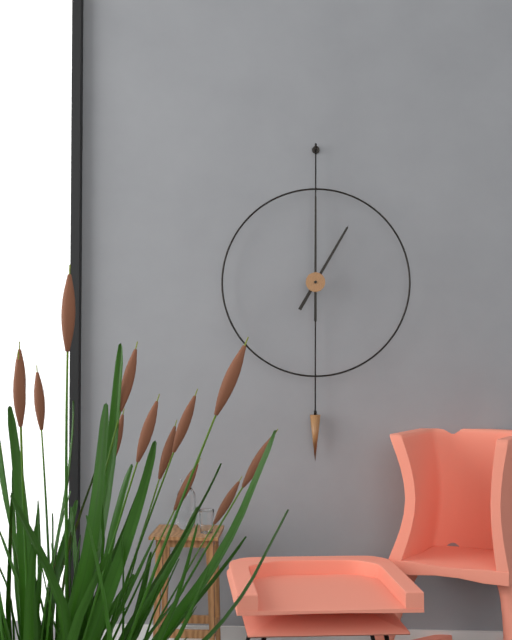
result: **1:00**
